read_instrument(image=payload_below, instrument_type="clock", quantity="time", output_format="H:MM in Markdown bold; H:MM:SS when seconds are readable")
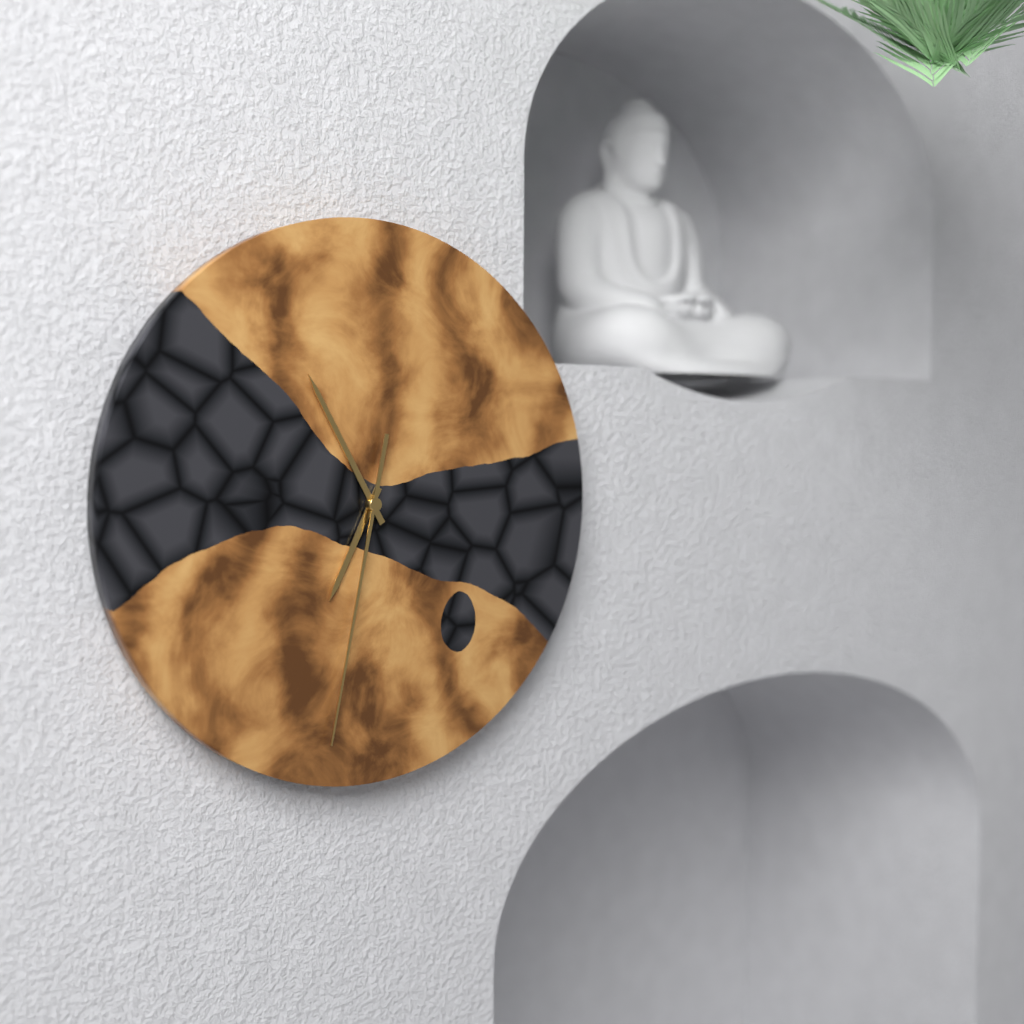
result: **6:55:32**
